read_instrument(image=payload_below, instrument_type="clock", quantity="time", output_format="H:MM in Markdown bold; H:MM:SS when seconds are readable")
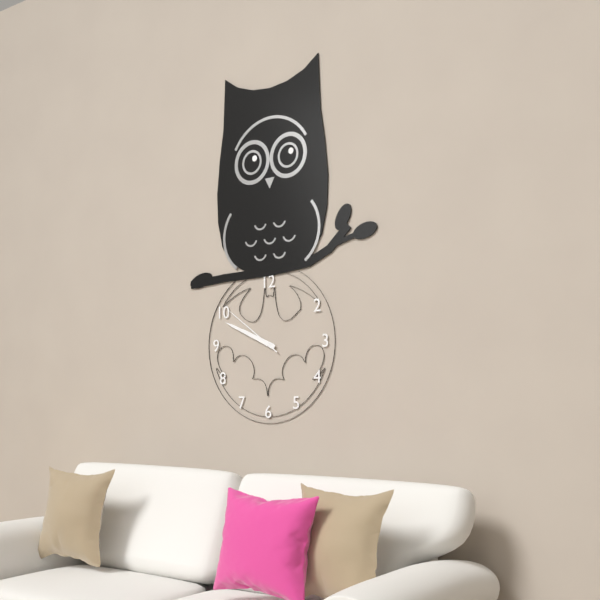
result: **9:49:51**
